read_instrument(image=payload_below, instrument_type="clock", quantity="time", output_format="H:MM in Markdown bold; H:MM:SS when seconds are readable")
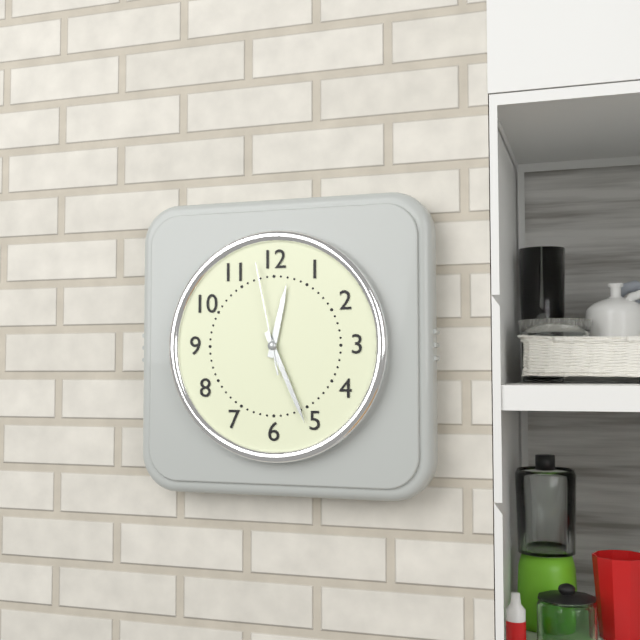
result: **12:26:58**
